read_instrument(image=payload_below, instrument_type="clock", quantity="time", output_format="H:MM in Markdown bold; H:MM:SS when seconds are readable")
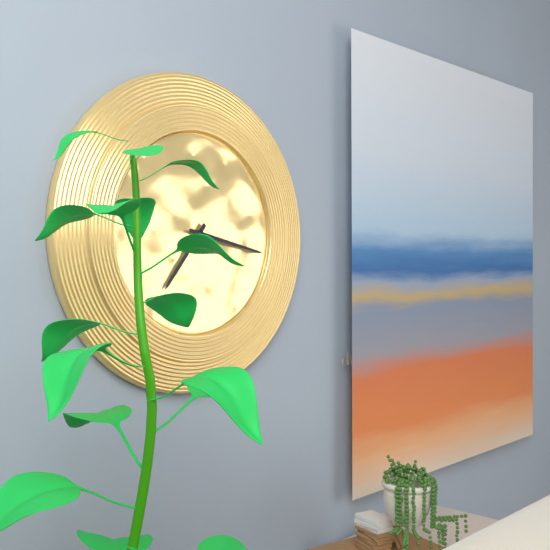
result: **7:17**
